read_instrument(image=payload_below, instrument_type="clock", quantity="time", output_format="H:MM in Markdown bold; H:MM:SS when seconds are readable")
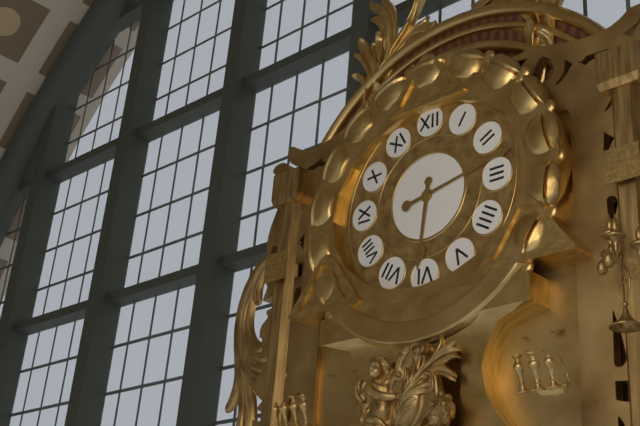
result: **6:13**
